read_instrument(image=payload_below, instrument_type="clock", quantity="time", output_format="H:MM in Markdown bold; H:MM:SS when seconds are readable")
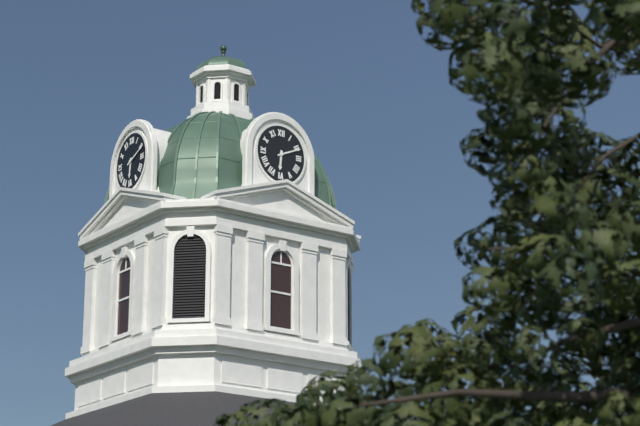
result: **6:11**
